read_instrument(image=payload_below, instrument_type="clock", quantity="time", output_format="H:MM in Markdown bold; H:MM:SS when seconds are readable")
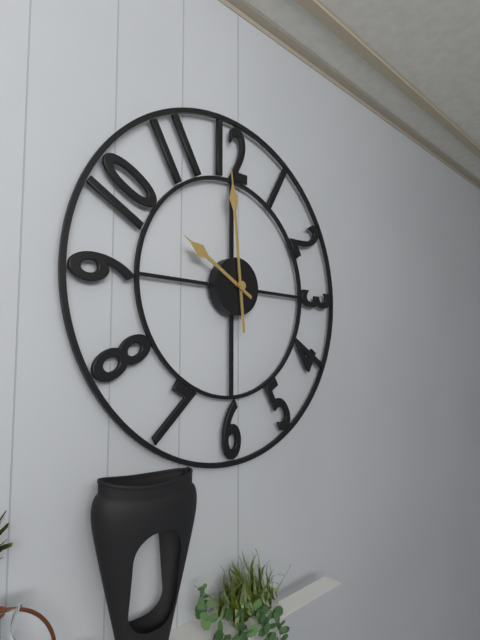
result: **9:59**
